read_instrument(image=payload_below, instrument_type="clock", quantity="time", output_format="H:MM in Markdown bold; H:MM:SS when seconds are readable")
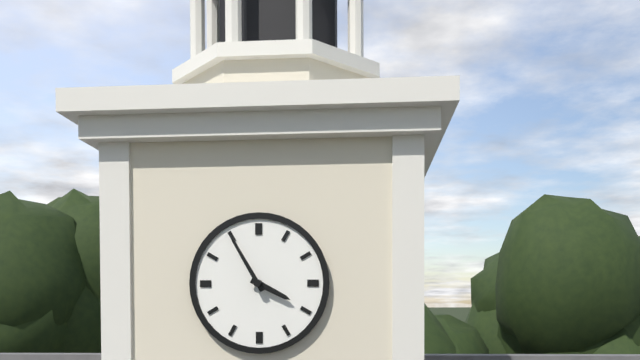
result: **3:55**
